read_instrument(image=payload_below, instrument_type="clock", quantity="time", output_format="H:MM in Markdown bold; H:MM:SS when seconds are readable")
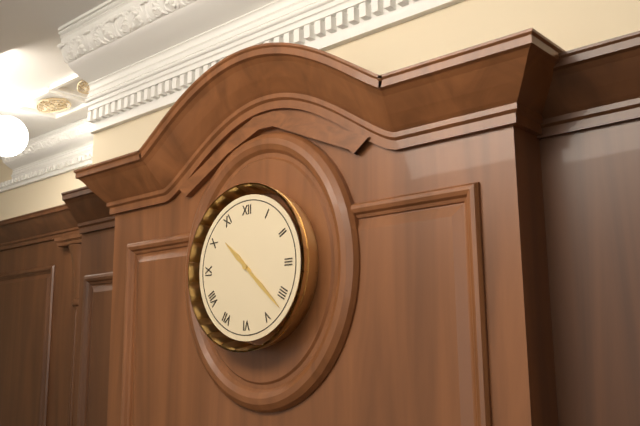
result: **10:22**
